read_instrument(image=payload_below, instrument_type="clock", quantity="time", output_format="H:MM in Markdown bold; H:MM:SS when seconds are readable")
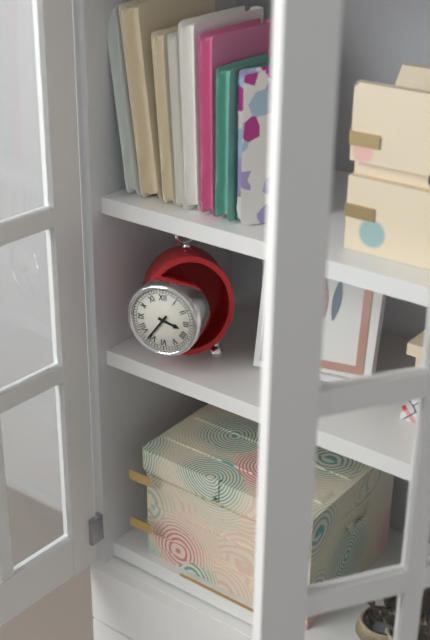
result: **3:36**
